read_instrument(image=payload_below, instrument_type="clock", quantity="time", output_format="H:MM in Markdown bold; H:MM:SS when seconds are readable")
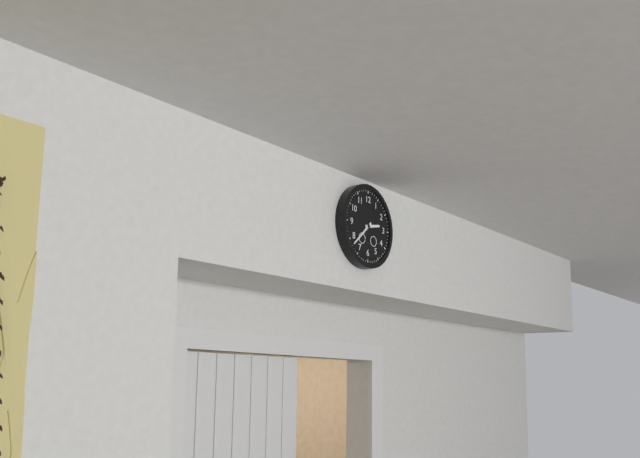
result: **2:38**
